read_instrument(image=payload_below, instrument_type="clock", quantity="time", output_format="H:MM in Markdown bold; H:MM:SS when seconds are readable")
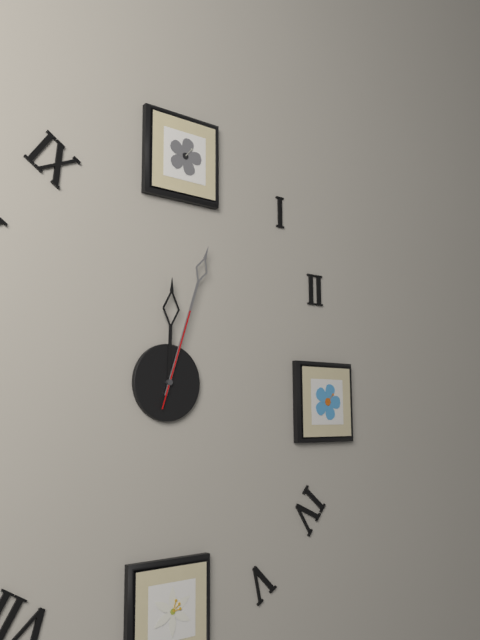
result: **12:03:03**
